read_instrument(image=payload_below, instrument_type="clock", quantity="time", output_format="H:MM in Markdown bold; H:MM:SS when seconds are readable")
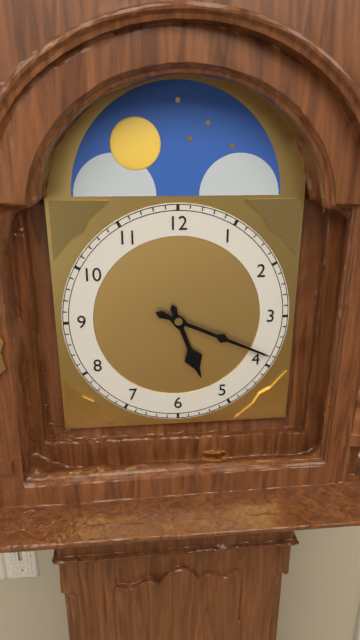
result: **5:19**
